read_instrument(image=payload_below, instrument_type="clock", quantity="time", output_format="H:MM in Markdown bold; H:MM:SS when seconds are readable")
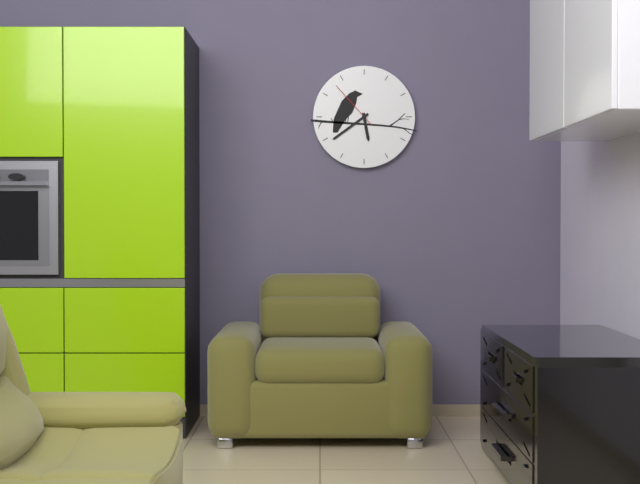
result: **5:39:53**
